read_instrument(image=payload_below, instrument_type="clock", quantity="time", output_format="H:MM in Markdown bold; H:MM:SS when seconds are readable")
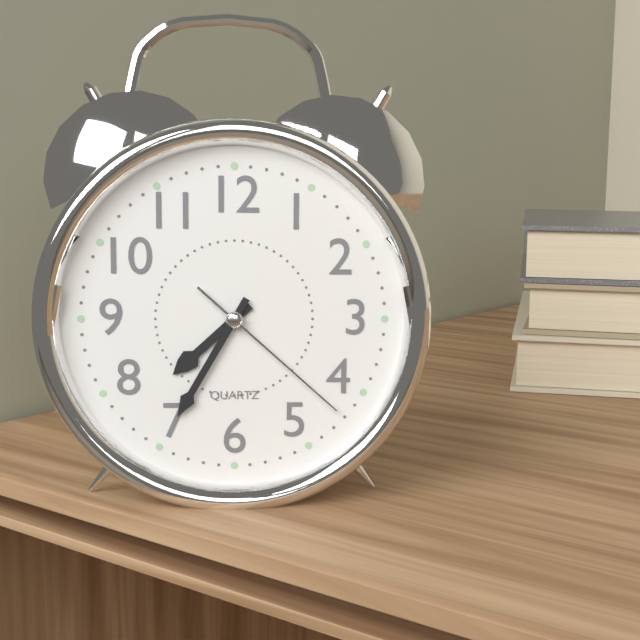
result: **7:35:22**
